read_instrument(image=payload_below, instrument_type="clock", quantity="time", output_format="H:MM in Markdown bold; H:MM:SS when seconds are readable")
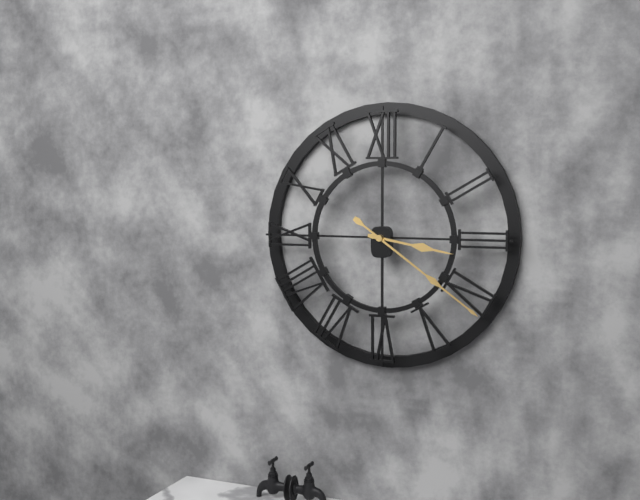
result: **3:21**
